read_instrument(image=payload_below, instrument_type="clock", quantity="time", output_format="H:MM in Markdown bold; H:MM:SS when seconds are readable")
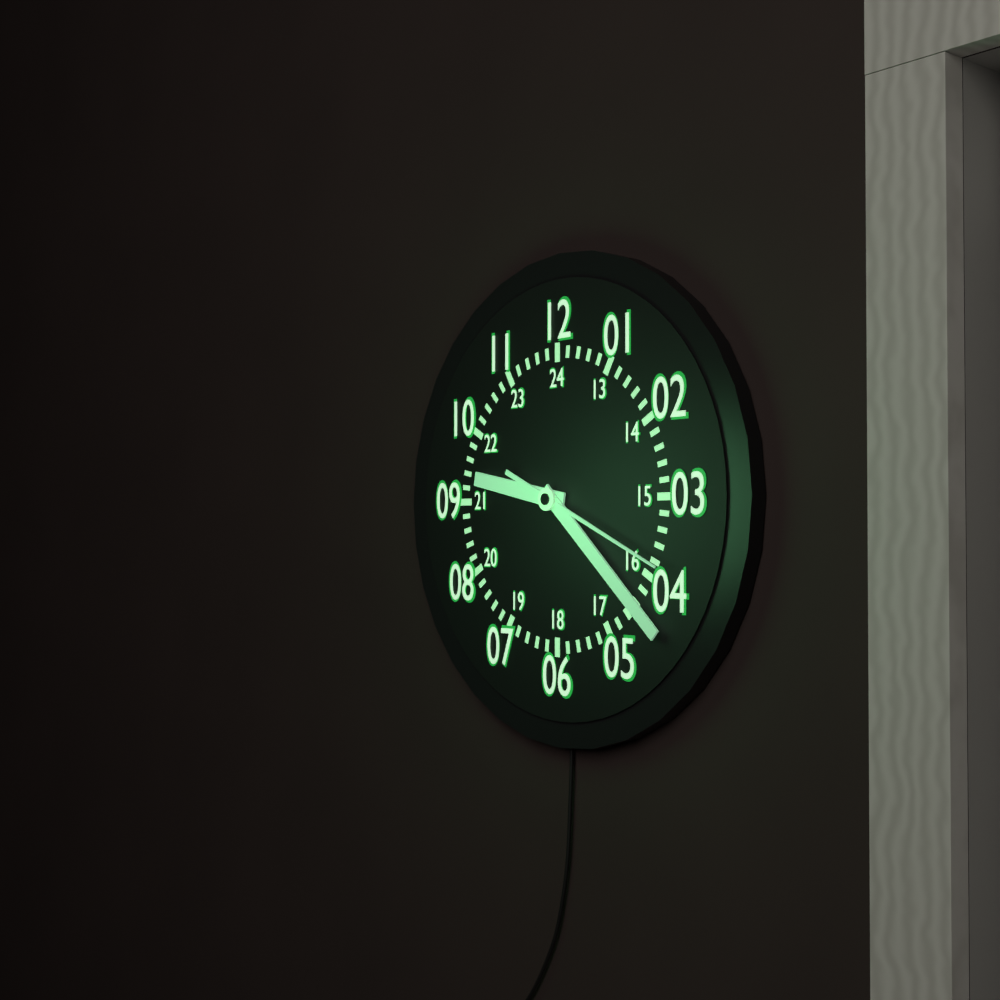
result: **9:22:19**
